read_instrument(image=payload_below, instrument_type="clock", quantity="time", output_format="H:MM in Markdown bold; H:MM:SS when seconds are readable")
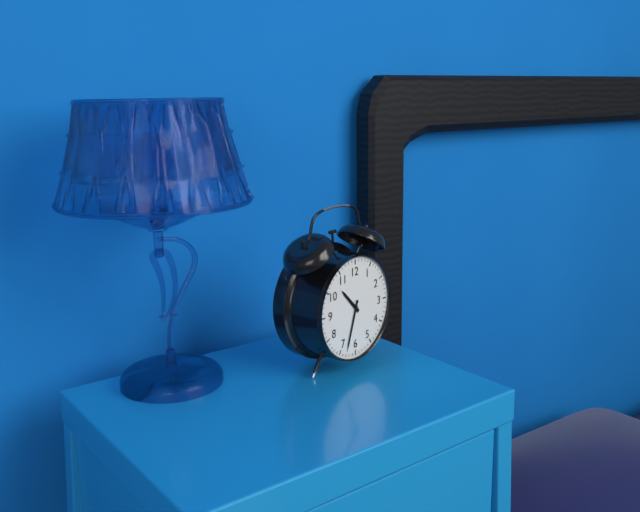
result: **10:33**
